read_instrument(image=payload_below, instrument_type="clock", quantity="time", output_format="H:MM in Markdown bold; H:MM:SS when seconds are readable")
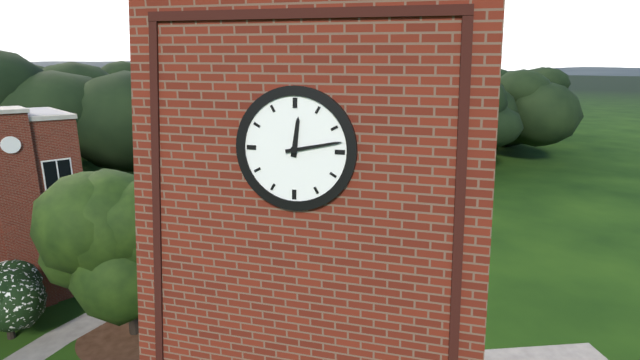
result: **12:13**
